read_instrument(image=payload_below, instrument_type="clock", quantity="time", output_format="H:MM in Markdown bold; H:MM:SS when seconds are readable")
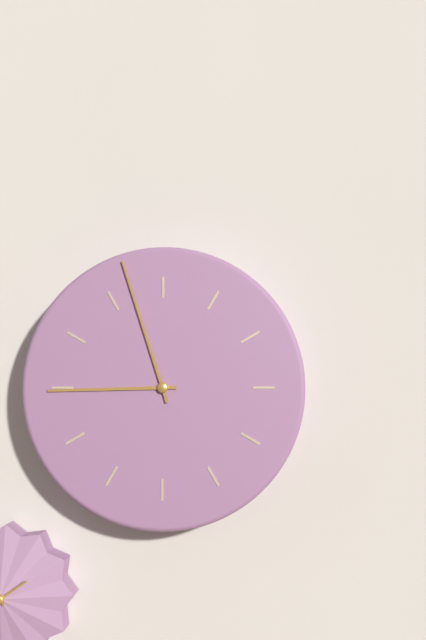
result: **8:57**
